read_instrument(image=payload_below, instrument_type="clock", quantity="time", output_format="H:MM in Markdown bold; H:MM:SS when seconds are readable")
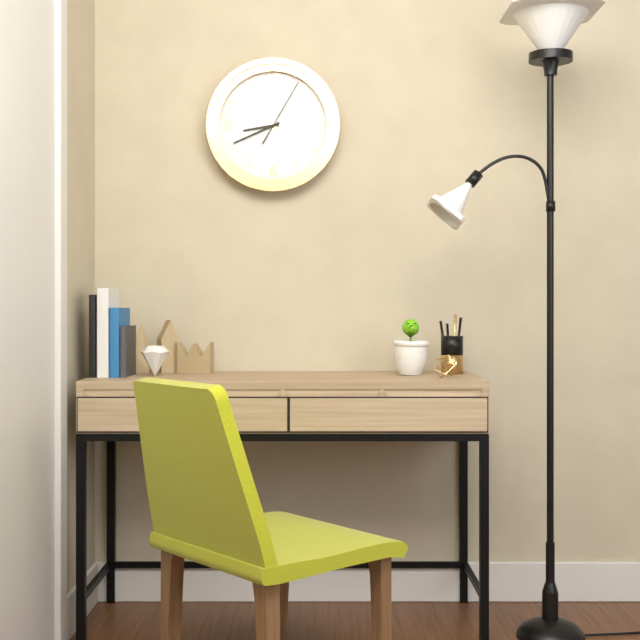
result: **8:41:05**
